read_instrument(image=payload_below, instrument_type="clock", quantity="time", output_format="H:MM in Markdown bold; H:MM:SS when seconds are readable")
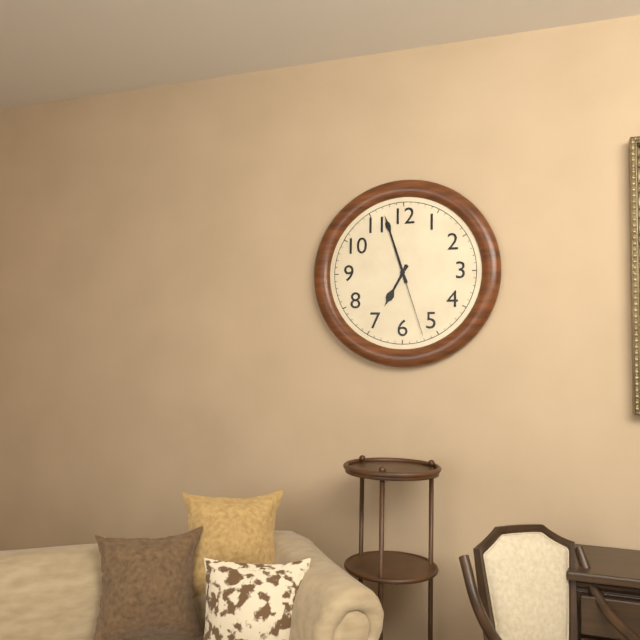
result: **6:57:27**
